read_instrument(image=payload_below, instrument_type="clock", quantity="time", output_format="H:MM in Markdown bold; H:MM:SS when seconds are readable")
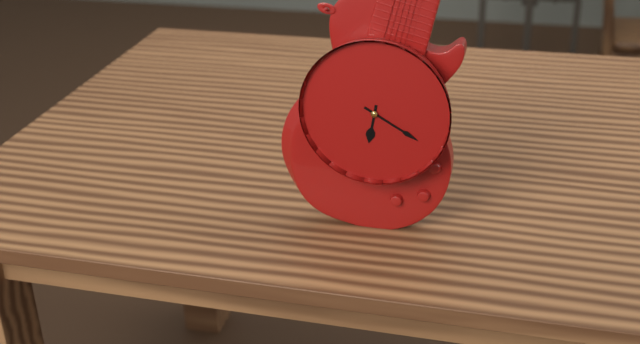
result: **6:20**
